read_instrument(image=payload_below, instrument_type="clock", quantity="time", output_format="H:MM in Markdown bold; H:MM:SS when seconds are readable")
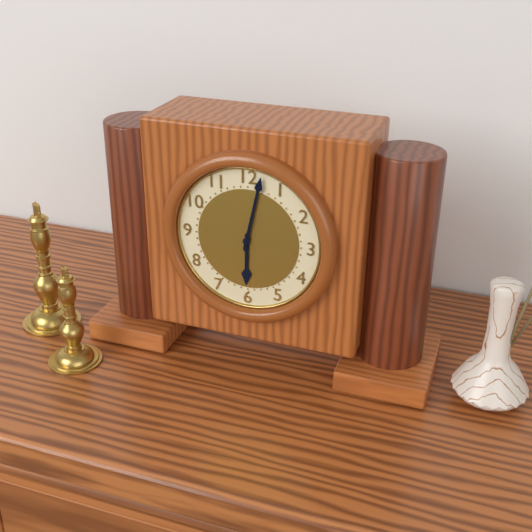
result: **6:02**
